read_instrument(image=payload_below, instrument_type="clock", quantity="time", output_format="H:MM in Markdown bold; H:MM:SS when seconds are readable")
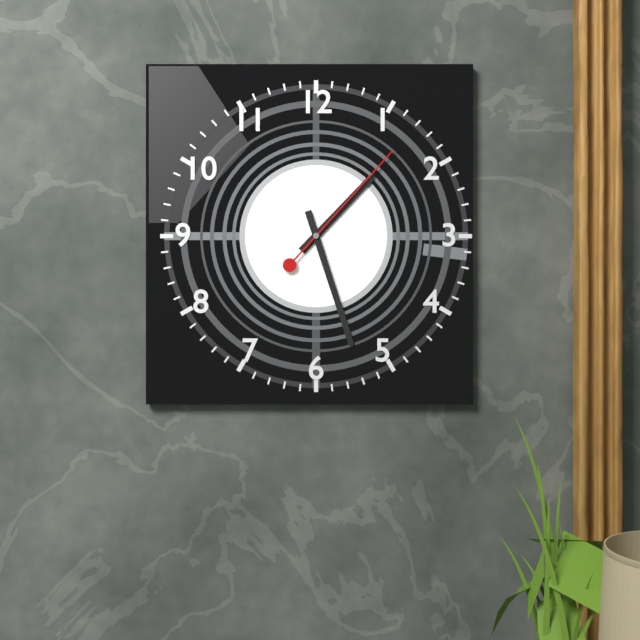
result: **1:27:07**
